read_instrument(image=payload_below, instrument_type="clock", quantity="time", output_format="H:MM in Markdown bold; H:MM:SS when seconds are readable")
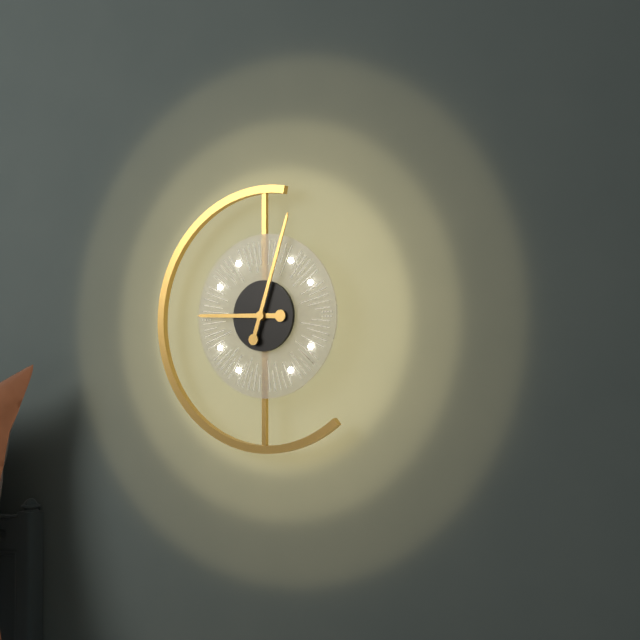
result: **9:03**
